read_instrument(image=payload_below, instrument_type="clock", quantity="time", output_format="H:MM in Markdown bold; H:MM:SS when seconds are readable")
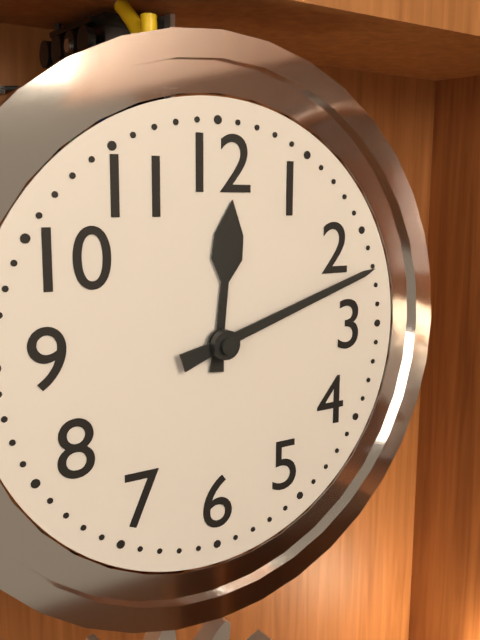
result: **12:12**
